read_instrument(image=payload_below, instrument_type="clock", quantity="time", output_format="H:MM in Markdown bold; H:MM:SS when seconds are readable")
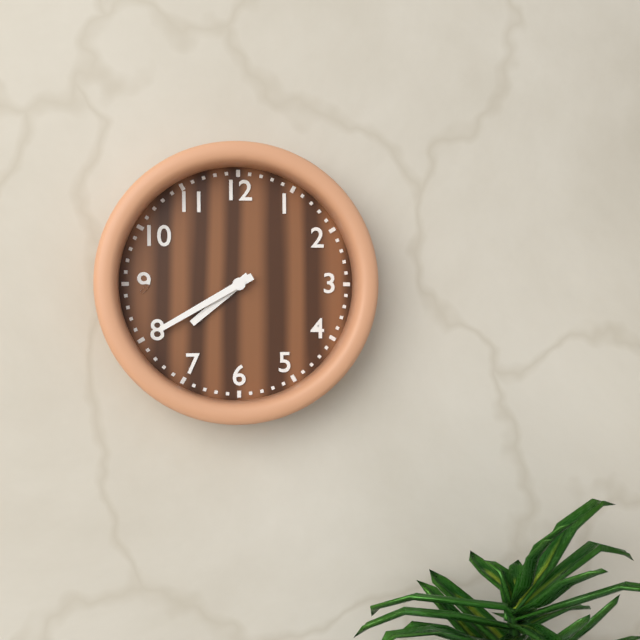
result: **7:40**
